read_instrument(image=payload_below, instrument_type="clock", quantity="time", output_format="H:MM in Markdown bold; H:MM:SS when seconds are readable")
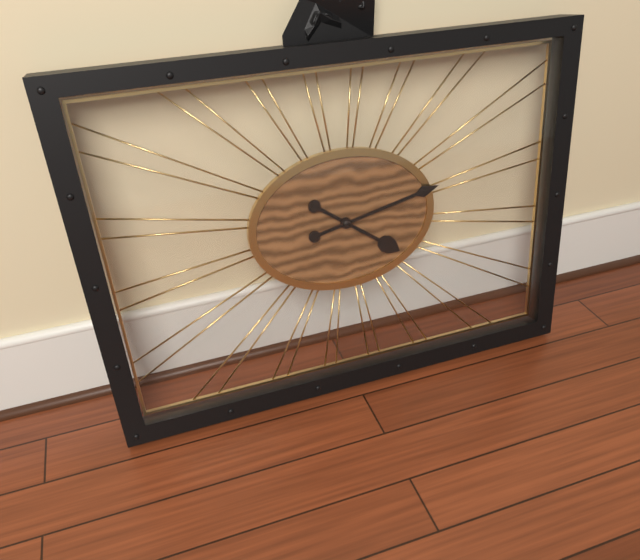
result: **4:13**
